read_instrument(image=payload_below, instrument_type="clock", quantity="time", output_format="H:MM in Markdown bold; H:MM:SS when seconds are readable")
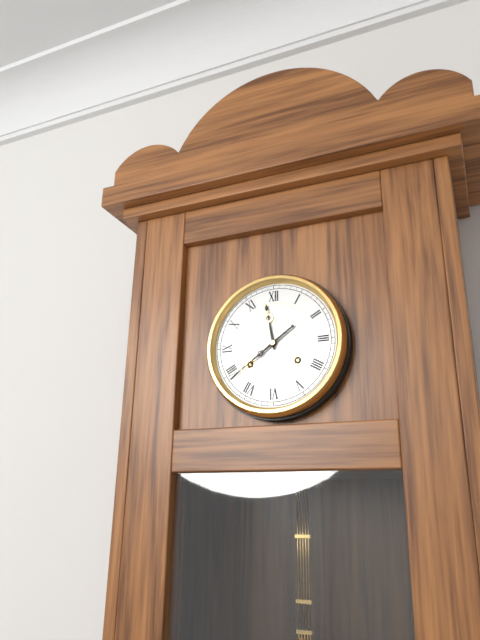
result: **11:39**
